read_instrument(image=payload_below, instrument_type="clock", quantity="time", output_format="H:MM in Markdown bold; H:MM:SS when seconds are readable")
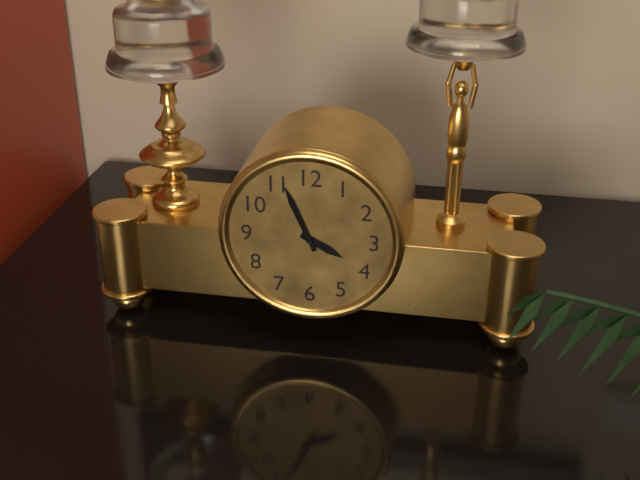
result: **3:56**
